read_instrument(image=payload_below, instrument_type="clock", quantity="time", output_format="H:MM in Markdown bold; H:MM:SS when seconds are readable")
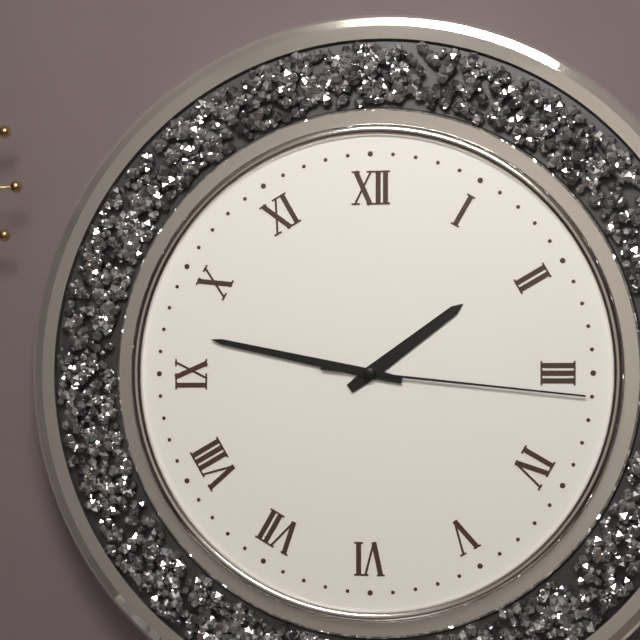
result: **1:47:16**
